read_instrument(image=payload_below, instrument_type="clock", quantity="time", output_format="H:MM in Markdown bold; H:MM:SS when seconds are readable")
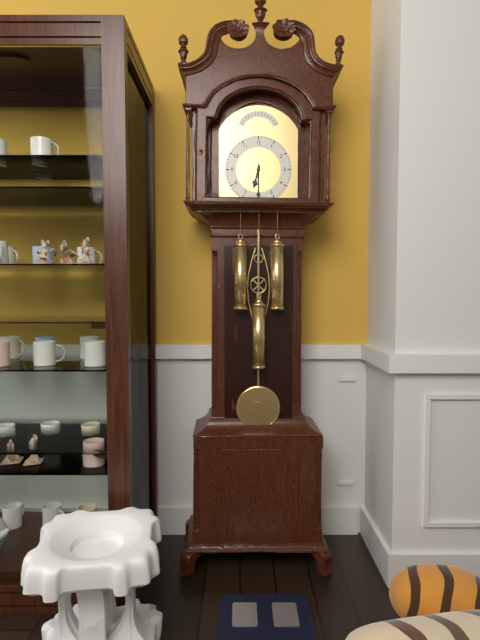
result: **6:30**
